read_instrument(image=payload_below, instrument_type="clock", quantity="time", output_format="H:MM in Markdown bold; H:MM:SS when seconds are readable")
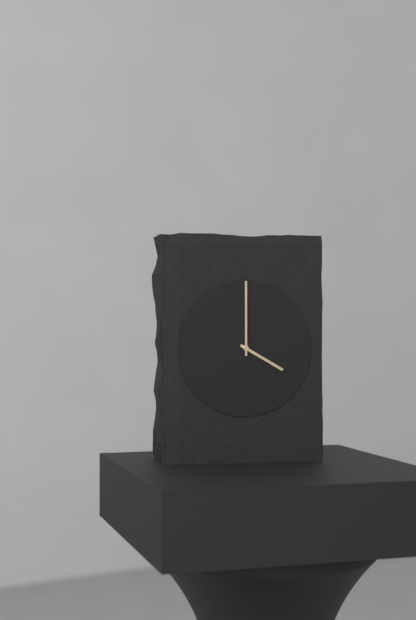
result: **4:00**
